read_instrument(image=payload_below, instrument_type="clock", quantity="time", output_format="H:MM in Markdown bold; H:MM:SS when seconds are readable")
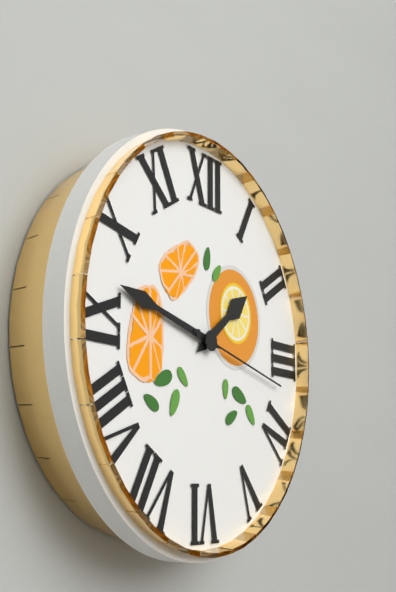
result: **1:47:17**
